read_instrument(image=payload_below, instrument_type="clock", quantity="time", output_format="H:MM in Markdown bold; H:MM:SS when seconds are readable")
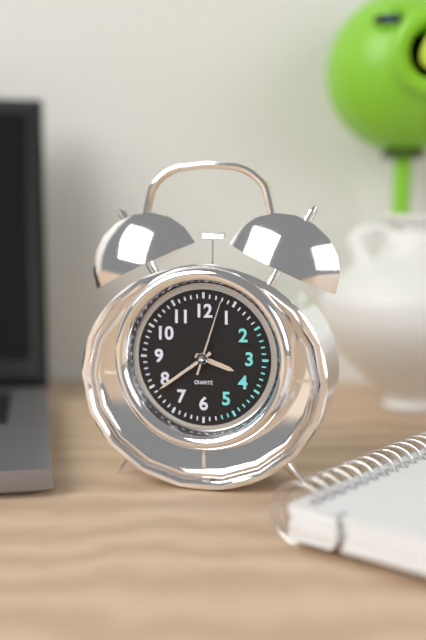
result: **3:39:03**
